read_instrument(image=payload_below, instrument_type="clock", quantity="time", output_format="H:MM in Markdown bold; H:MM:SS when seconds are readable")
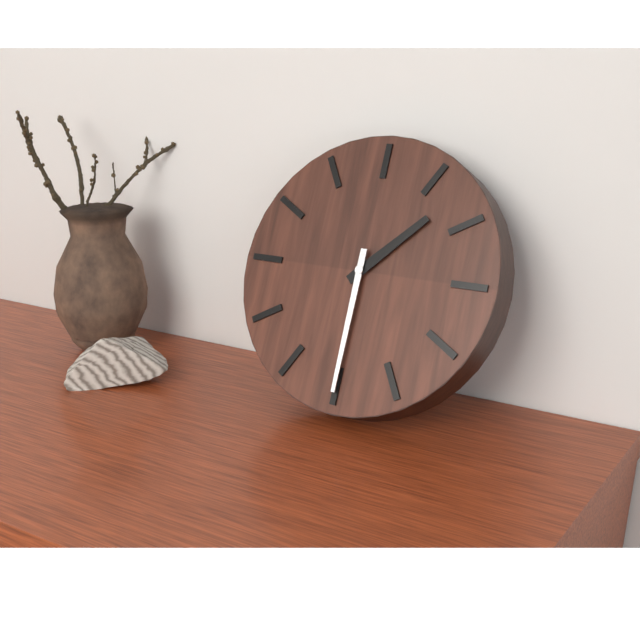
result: **1:30**
